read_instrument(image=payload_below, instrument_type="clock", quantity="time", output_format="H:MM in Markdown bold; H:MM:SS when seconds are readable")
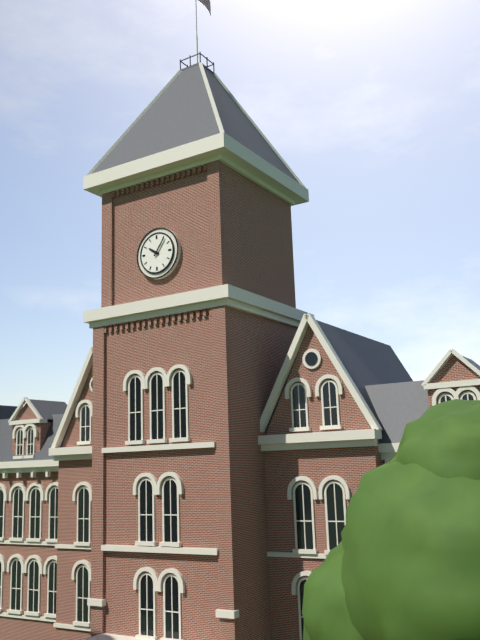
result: **10:06**
